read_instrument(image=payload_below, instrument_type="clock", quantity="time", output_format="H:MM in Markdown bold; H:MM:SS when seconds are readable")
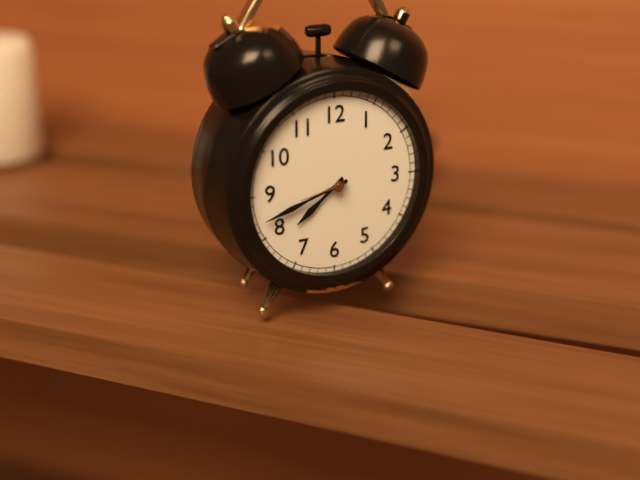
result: **7:42**
